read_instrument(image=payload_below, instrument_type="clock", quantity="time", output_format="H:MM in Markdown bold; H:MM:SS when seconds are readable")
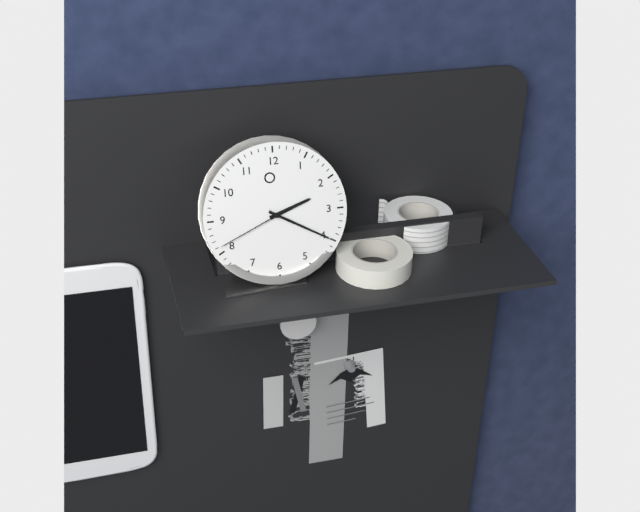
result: **2:20:41**
